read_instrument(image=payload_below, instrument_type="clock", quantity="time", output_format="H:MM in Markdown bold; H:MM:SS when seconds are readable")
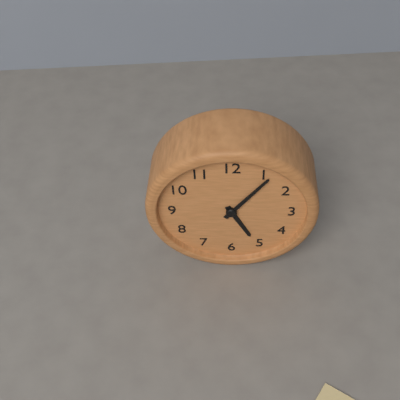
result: **5:06**
